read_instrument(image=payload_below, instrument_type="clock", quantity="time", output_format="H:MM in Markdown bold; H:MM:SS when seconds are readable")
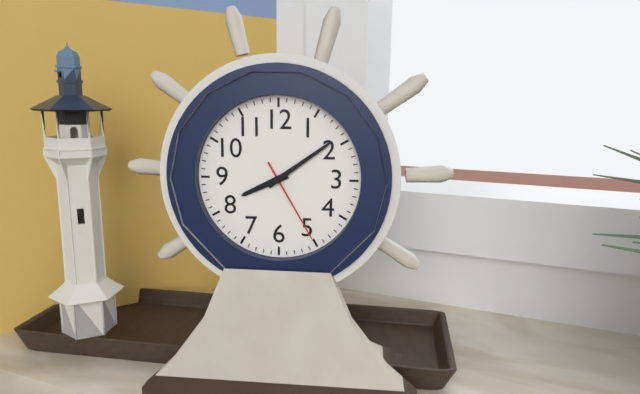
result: **8:09:25**
